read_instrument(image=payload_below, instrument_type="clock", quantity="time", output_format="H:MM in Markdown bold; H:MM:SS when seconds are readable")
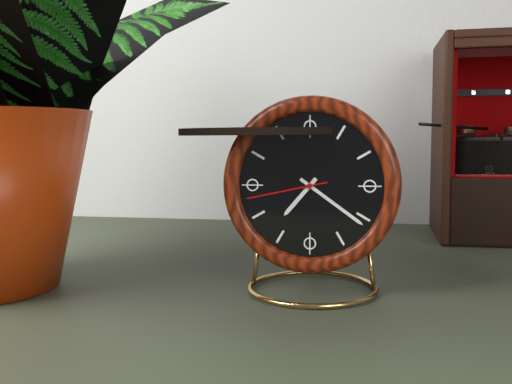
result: **7:21:43**
